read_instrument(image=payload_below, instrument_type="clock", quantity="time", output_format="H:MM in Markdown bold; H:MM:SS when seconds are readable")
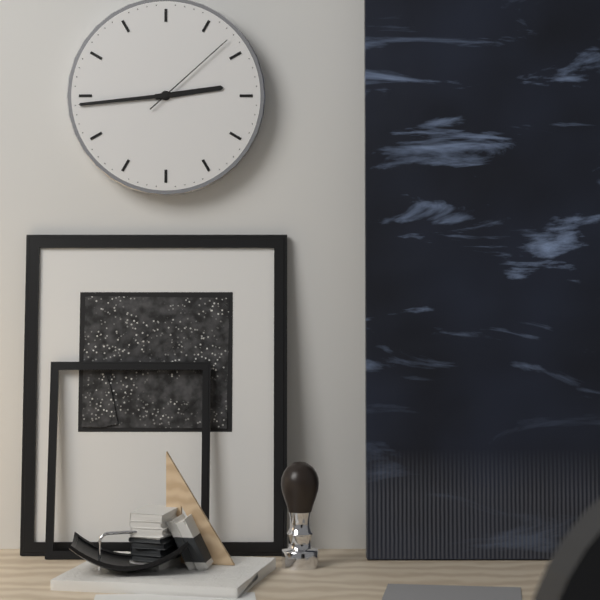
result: **2:44:08**
